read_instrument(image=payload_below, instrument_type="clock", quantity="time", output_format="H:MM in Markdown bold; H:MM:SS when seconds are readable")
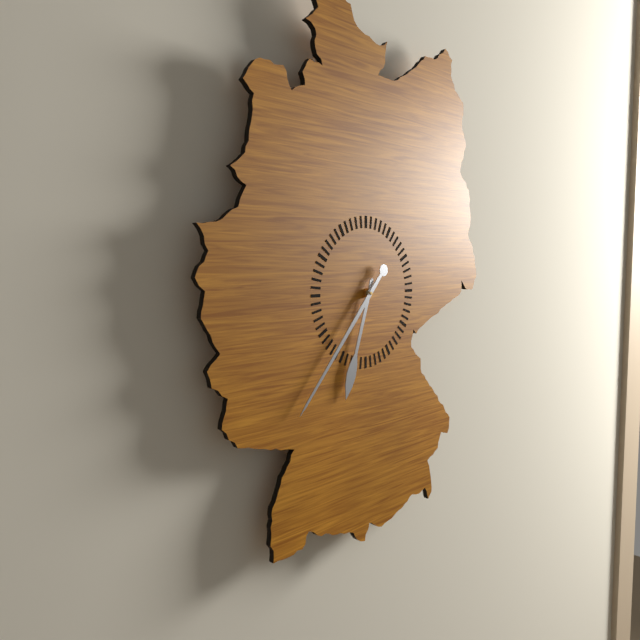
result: **6:37**
